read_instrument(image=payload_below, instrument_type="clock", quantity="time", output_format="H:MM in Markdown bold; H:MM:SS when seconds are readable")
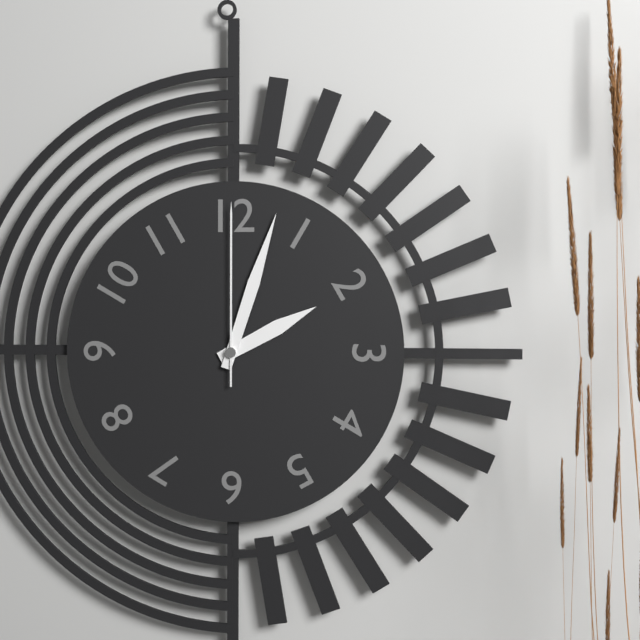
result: **2:03:00**
